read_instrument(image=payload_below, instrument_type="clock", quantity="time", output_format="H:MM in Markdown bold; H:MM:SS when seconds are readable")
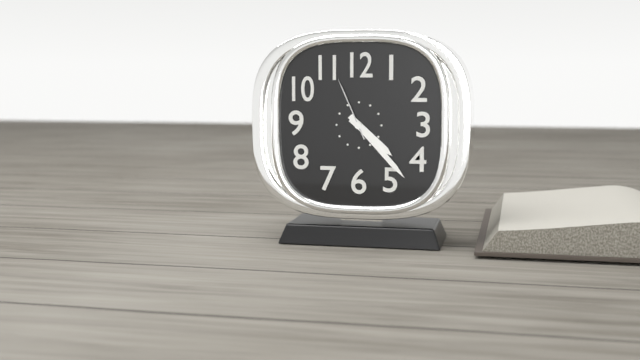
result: **4:23:56**
